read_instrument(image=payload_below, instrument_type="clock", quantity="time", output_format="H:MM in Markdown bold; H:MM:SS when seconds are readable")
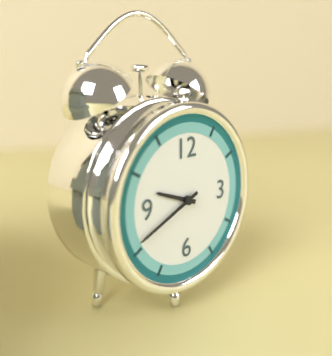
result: **9:41**
